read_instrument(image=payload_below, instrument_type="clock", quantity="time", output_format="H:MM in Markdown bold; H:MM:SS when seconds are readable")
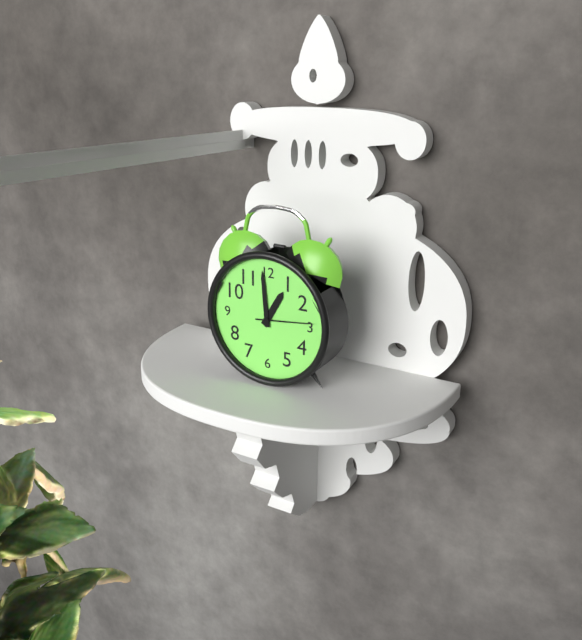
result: **12:59:14**
